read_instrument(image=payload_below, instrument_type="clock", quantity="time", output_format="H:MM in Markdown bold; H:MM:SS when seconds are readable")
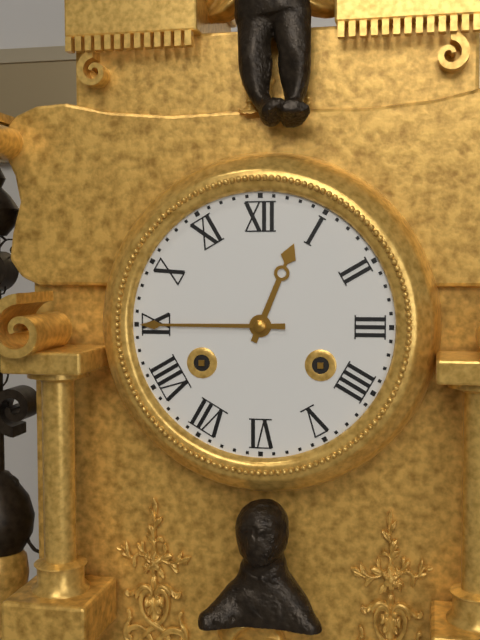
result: **12:45**
